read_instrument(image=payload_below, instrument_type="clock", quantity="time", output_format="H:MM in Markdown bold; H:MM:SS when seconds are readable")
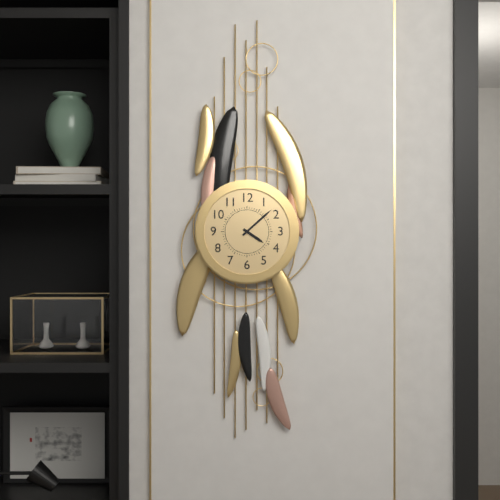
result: **4:08**
